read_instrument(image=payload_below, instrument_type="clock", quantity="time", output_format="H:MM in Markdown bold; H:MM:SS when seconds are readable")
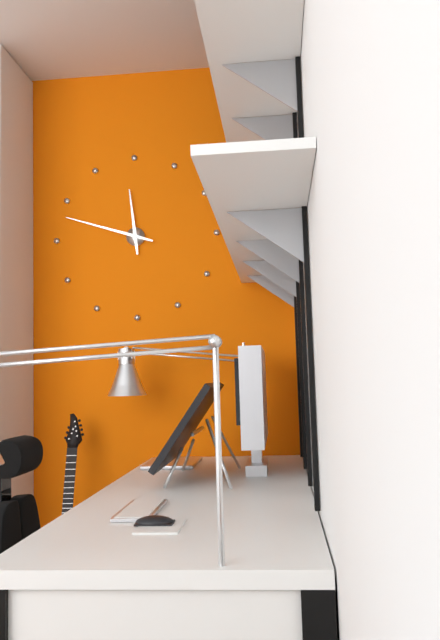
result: **11:48**
